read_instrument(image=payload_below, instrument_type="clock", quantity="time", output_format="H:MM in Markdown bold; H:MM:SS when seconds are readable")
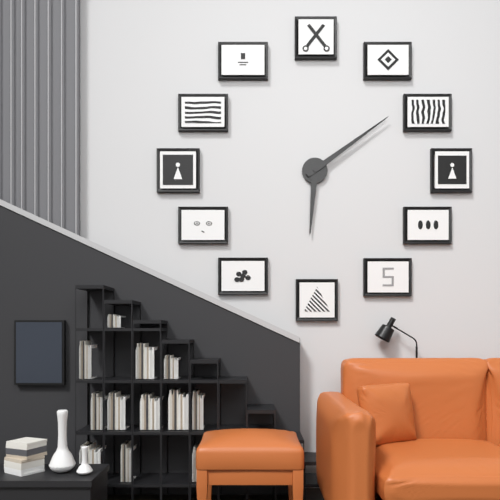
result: **6:09**
